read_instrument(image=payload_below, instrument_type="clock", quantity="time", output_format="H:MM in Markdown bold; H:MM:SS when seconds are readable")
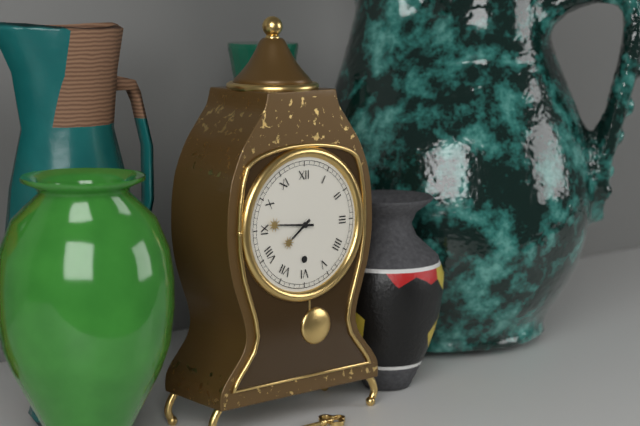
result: **7:46**
